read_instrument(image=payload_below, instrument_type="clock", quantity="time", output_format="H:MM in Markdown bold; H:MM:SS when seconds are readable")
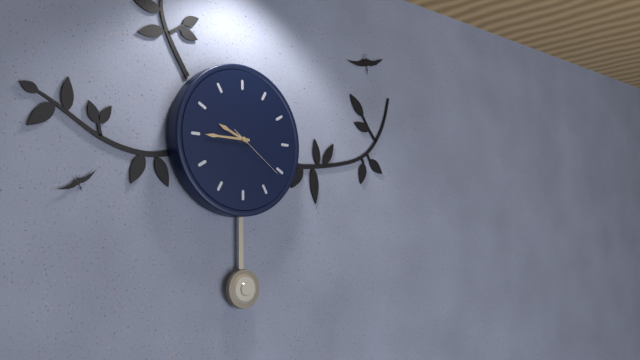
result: **9:45:21**
